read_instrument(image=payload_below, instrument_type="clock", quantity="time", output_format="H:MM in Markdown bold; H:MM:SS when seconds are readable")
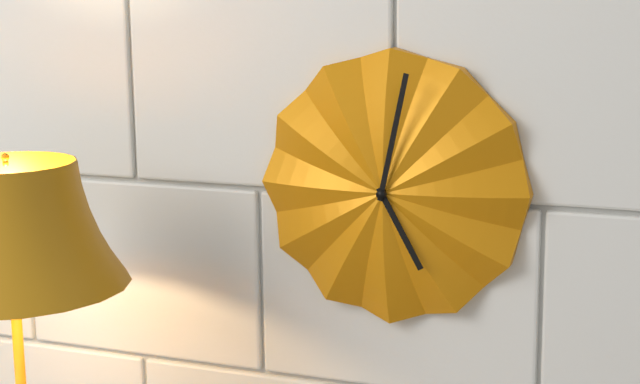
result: **5:02**
